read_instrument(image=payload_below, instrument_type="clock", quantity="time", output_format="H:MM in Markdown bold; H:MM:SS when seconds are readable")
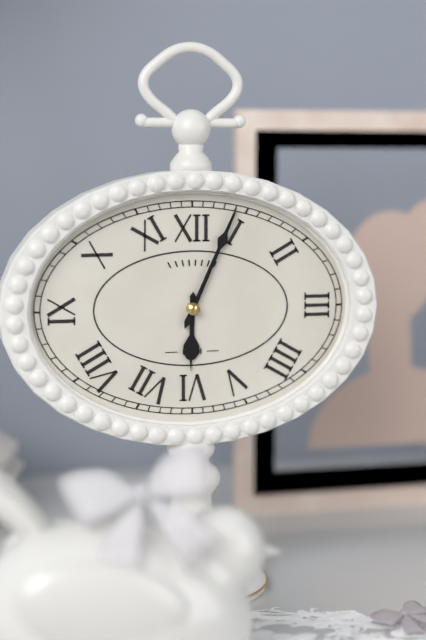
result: **6:04**
